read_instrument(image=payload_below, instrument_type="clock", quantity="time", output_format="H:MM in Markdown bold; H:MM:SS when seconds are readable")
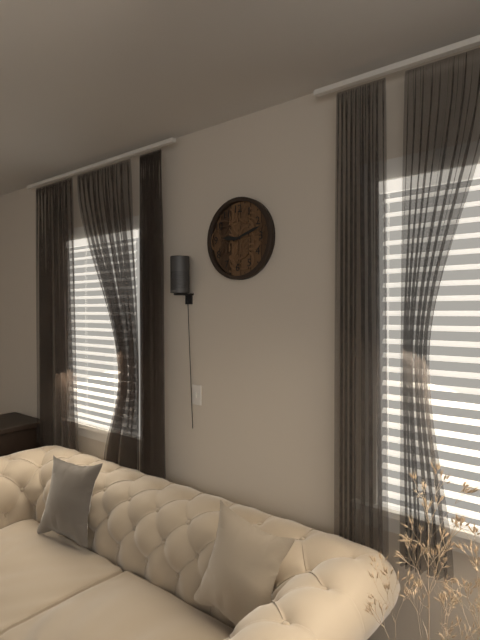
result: **9:12**
